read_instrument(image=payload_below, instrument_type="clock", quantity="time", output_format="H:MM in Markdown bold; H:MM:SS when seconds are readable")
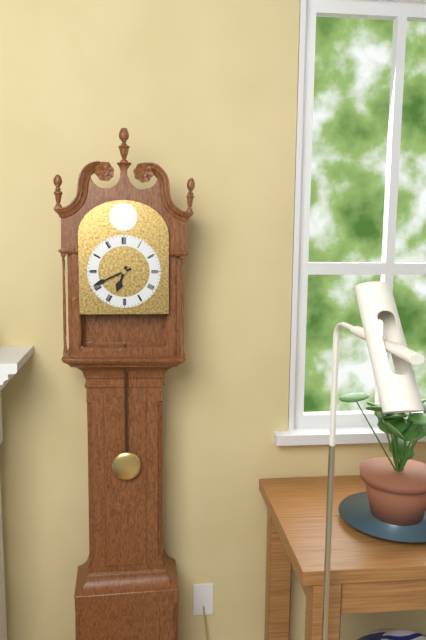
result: **6:41**
